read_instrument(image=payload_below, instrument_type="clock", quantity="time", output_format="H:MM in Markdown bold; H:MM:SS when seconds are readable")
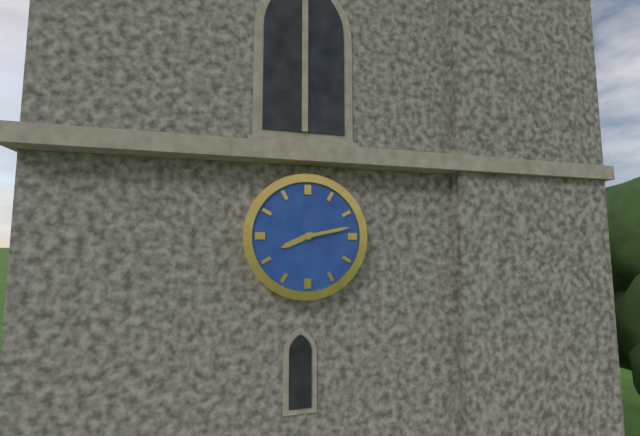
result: **8:13**
